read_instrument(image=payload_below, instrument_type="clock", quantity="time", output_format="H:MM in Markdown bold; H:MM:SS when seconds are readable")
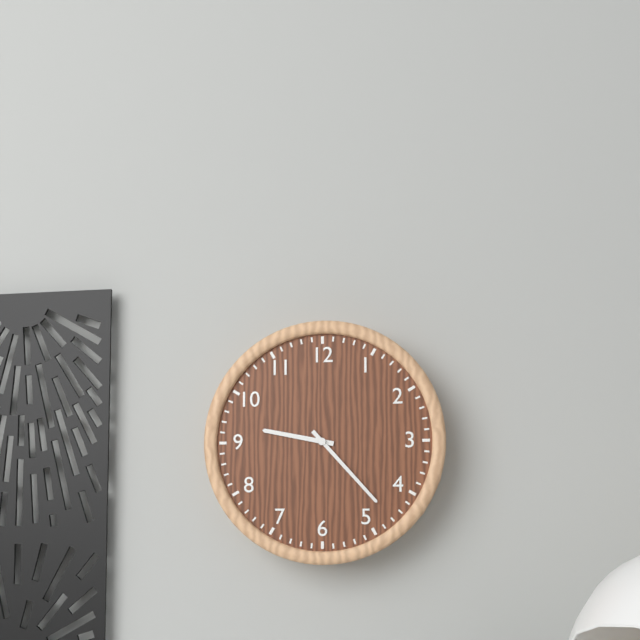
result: **9:23**
